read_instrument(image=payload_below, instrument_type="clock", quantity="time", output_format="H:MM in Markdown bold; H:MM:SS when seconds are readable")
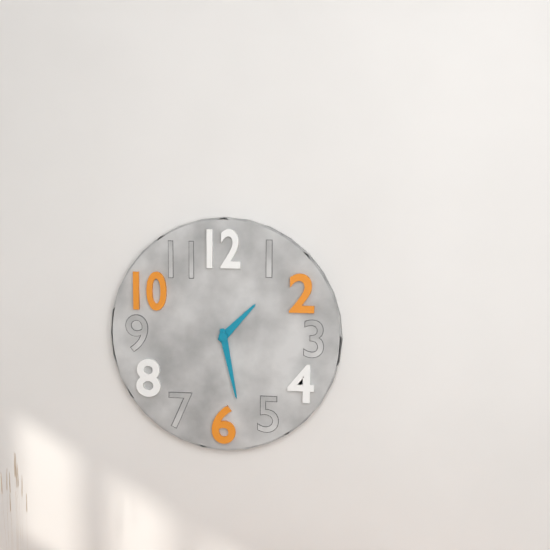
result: **1:28**
